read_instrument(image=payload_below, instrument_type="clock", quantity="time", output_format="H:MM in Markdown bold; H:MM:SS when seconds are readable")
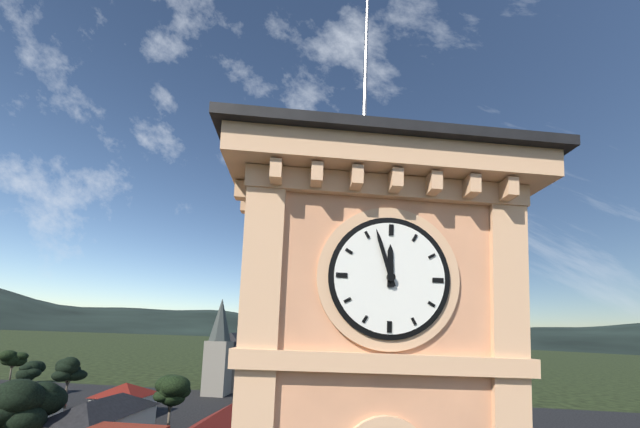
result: **11:57**
